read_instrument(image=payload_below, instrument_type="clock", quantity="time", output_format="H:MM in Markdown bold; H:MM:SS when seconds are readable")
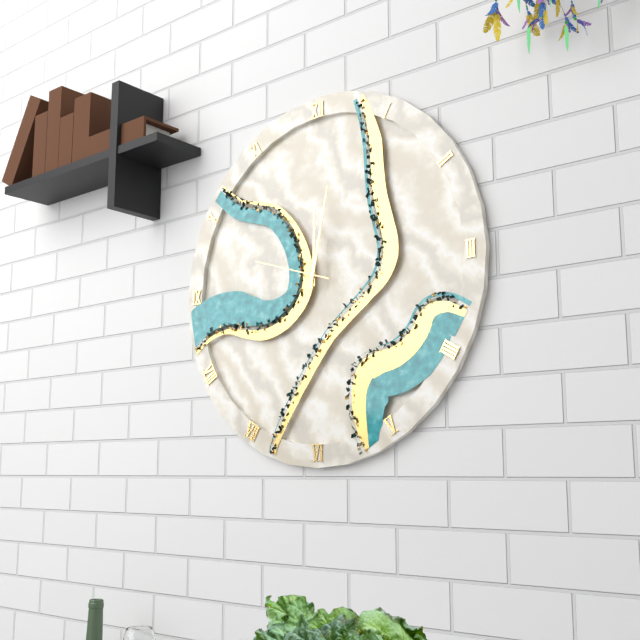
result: **12:02:48**
